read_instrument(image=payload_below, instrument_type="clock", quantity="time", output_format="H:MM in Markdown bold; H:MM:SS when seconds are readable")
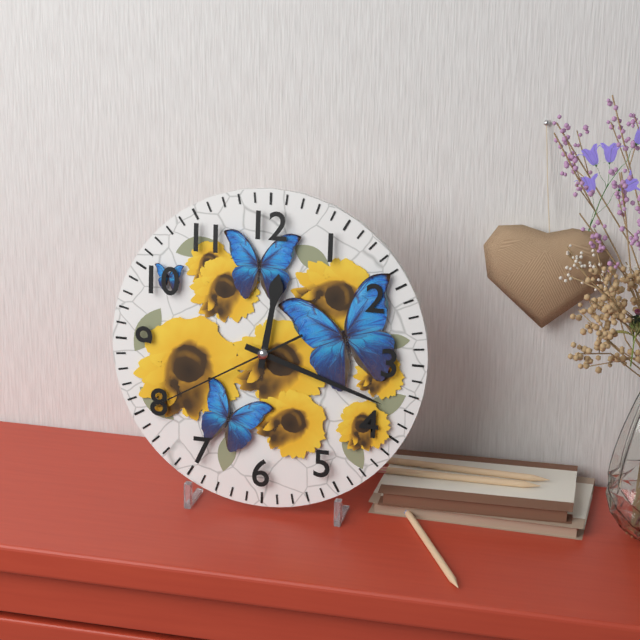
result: **12:18:40**
